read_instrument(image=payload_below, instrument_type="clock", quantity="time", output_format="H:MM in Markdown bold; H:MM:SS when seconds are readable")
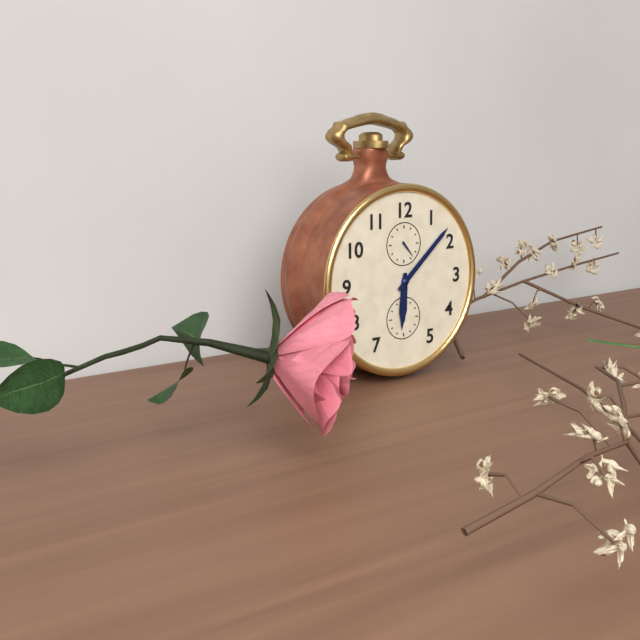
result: **6:08**
